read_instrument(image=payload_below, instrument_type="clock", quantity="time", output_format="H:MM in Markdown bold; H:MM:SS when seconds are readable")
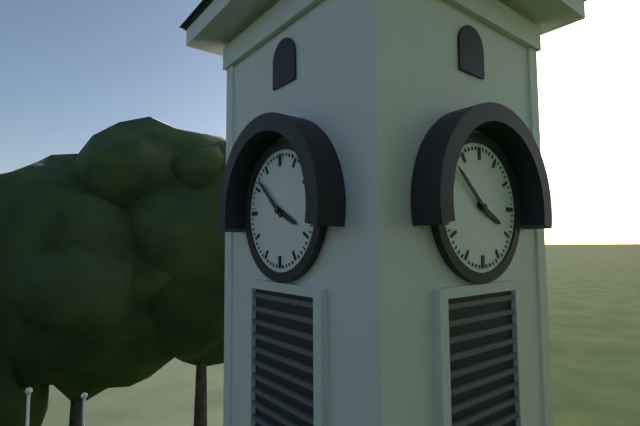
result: **3:52**
